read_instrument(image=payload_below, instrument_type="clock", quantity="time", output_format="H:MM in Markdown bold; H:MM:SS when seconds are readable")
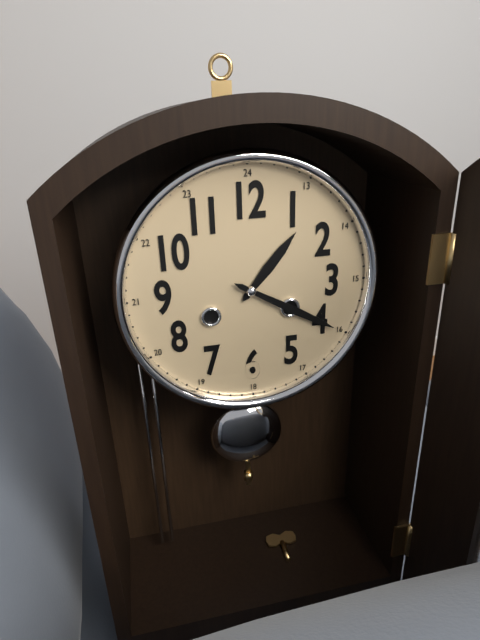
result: **1:20**
